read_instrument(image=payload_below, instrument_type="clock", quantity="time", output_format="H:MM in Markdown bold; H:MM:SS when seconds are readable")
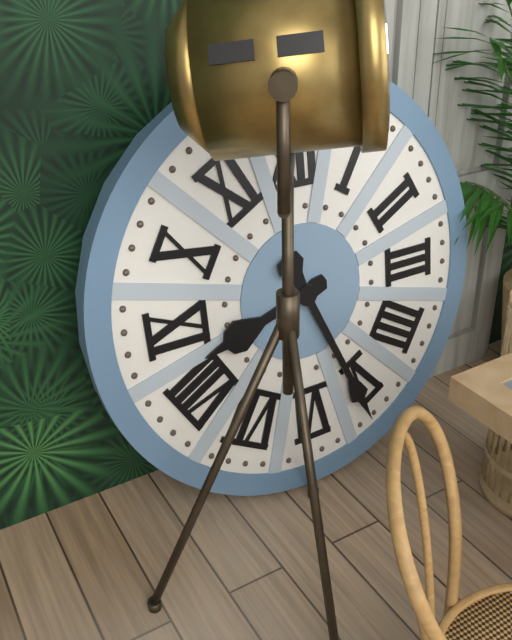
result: **8:26**
